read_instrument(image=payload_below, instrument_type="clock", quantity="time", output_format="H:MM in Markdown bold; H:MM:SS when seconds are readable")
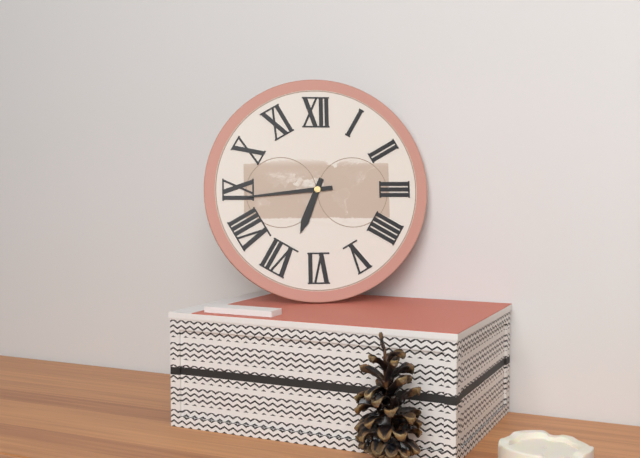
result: **6:44**
